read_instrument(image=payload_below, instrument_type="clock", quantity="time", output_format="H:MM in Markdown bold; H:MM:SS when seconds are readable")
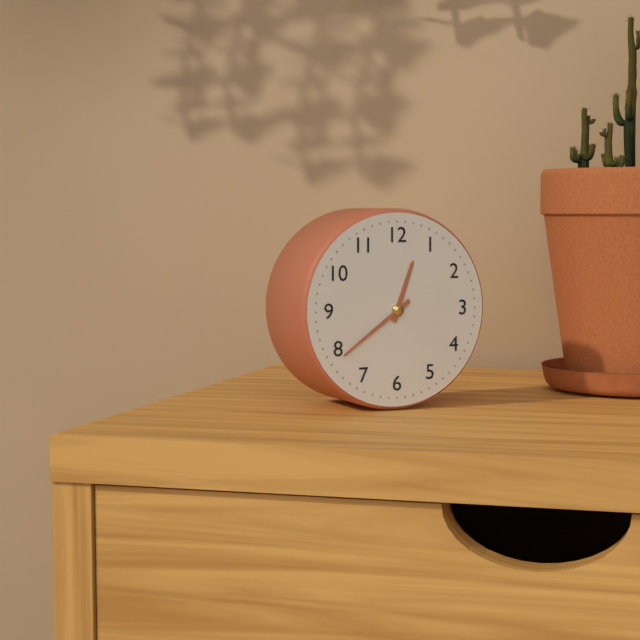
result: **12:39**
